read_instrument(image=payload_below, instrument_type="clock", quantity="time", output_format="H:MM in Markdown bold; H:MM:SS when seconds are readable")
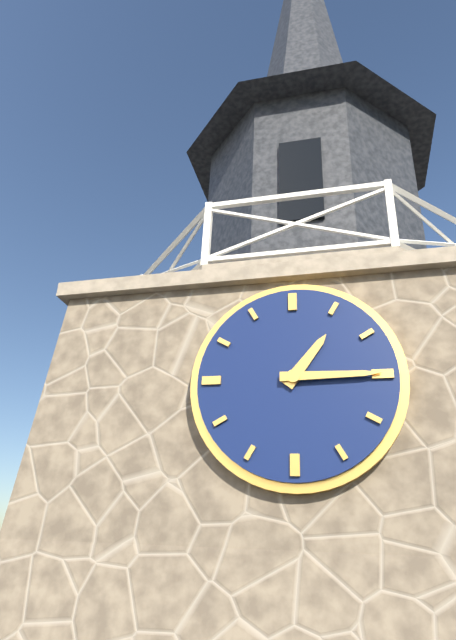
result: **1:15**
